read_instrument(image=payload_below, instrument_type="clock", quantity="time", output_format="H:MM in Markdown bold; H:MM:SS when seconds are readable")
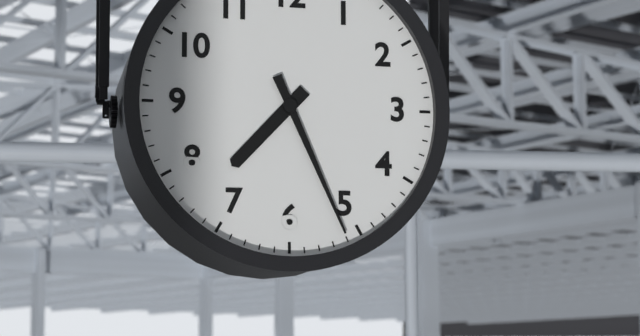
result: **7:26**
